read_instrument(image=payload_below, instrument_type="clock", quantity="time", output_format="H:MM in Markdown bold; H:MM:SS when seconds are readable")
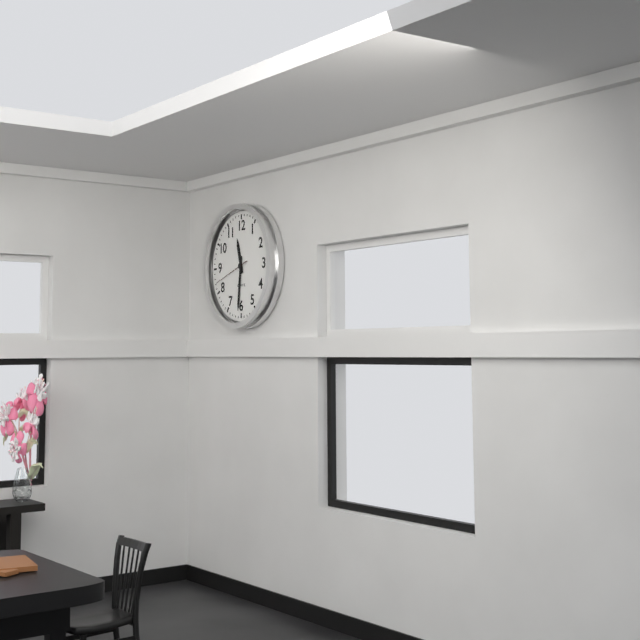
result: **11:31**
